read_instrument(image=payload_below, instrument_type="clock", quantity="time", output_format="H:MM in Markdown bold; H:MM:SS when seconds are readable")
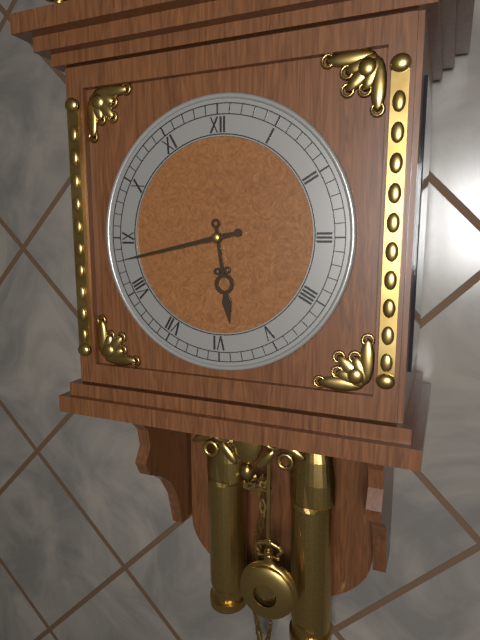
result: **5:43**
